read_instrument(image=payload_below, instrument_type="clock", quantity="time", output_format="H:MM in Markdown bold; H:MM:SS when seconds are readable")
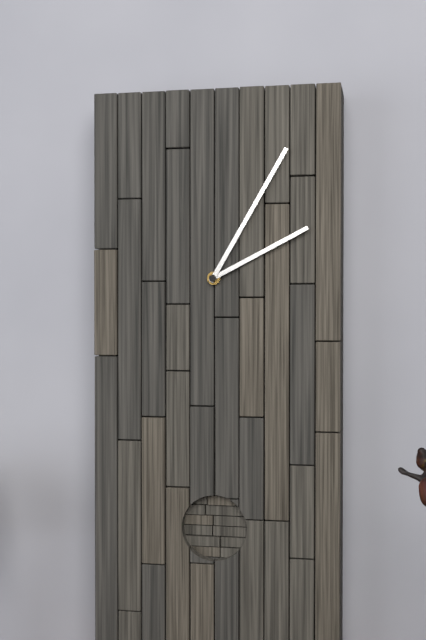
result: **2:05**
